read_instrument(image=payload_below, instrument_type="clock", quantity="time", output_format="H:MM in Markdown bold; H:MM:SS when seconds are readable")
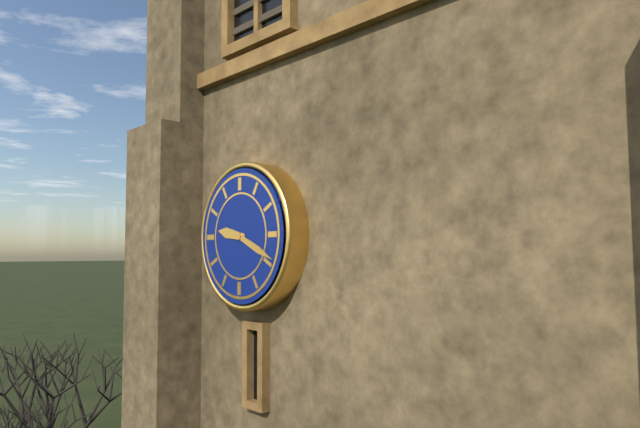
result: **9:19**
